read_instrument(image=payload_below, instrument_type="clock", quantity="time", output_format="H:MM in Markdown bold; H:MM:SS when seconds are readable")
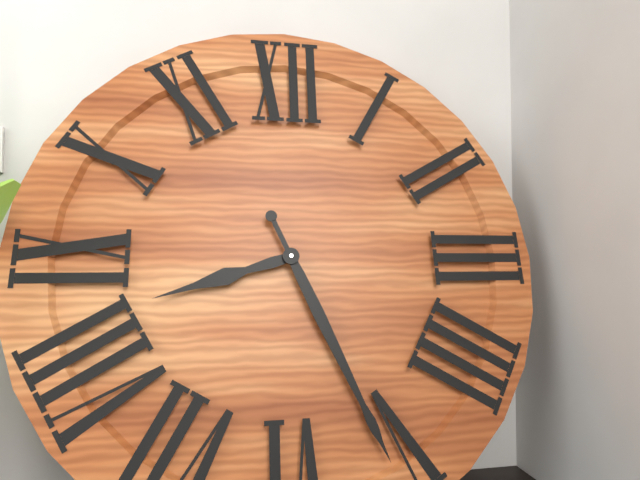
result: **8:26**
